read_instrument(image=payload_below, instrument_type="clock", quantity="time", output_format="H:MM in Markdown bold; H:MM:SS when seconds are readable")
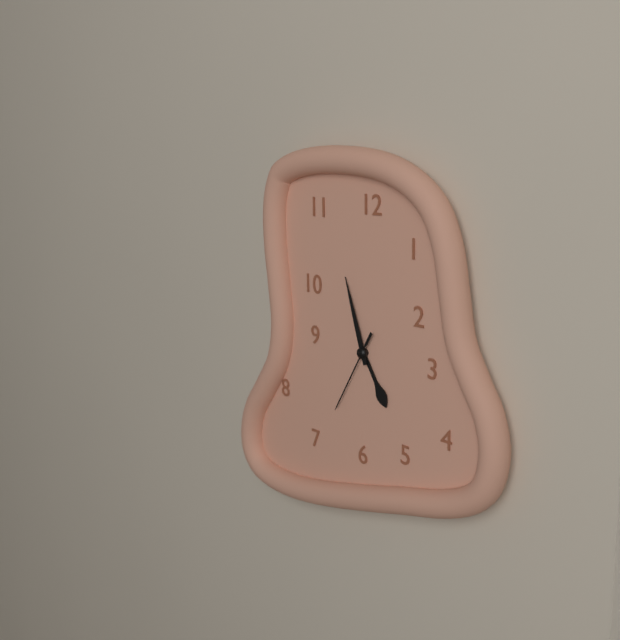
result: **4:57:35**
